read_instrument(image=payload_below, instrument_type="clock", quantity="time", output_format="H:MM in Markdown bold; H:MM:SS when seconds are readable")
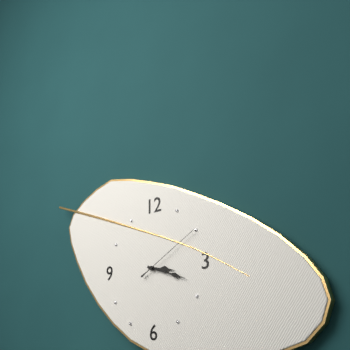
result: **3:18:10**
